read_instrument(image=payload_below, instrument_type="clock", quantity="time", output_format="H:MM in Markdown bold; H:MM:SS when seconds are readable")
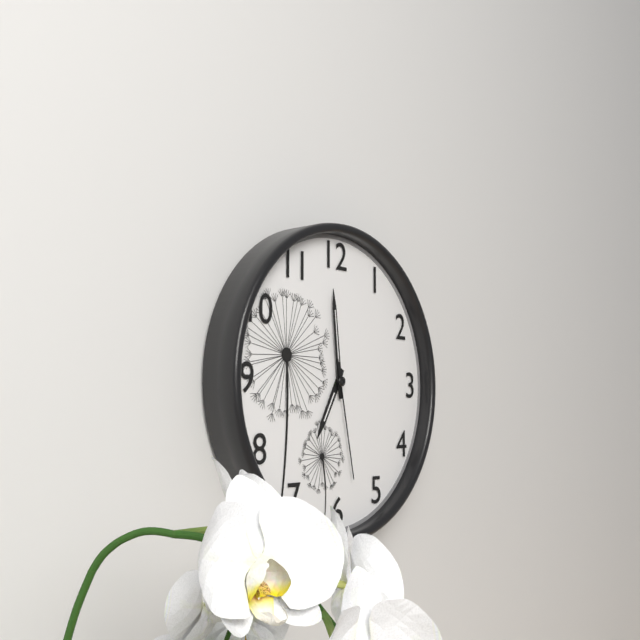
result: **6:59:28**
